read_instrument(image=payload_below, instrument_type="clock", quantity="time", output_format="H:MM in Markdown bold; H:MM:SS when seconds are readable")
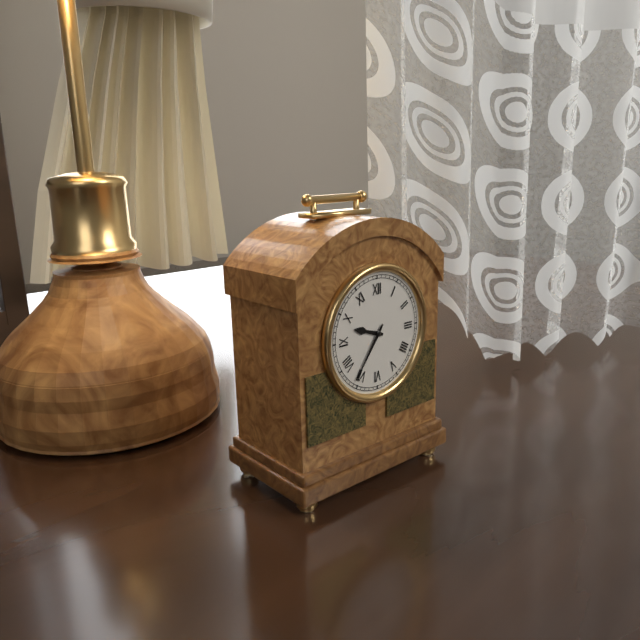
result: **9:36**
